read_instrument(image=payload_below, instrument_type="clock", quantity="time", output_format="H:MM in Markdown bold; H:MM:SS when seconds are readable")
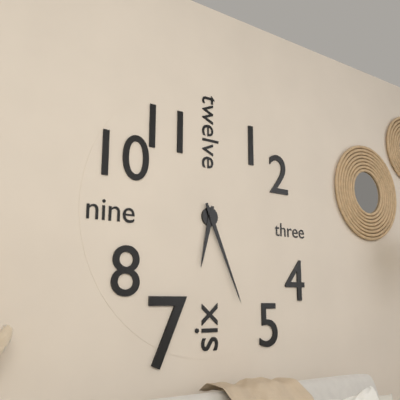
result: **6:26**
